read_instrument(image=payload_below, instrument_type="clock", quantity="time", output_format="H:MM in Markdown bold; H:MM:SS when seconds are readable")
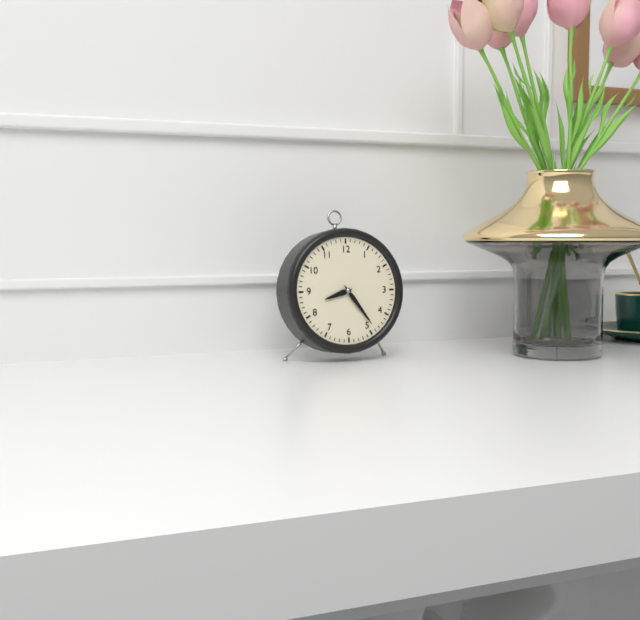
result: **8:24**
